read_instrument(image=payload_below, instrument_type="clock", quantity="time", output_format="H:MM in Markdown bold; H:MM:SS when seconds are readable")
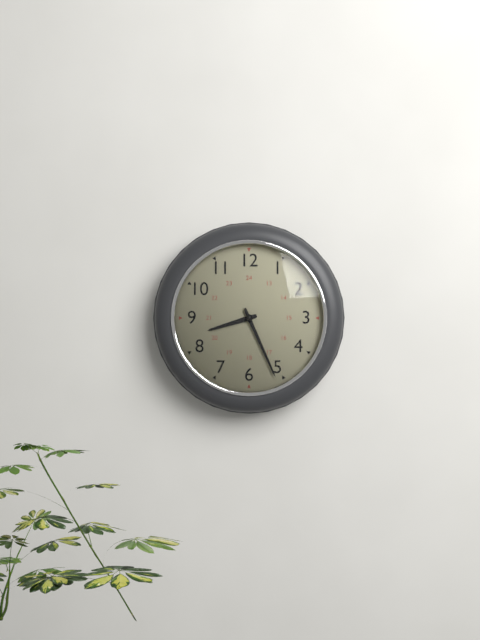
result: **8:26**
